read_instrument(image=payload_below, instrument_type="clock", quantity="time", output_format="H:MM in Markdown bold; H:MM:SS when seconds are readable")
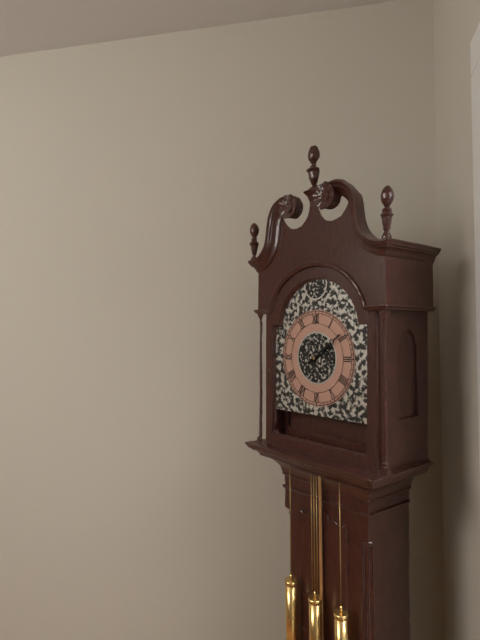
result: **2:09**
